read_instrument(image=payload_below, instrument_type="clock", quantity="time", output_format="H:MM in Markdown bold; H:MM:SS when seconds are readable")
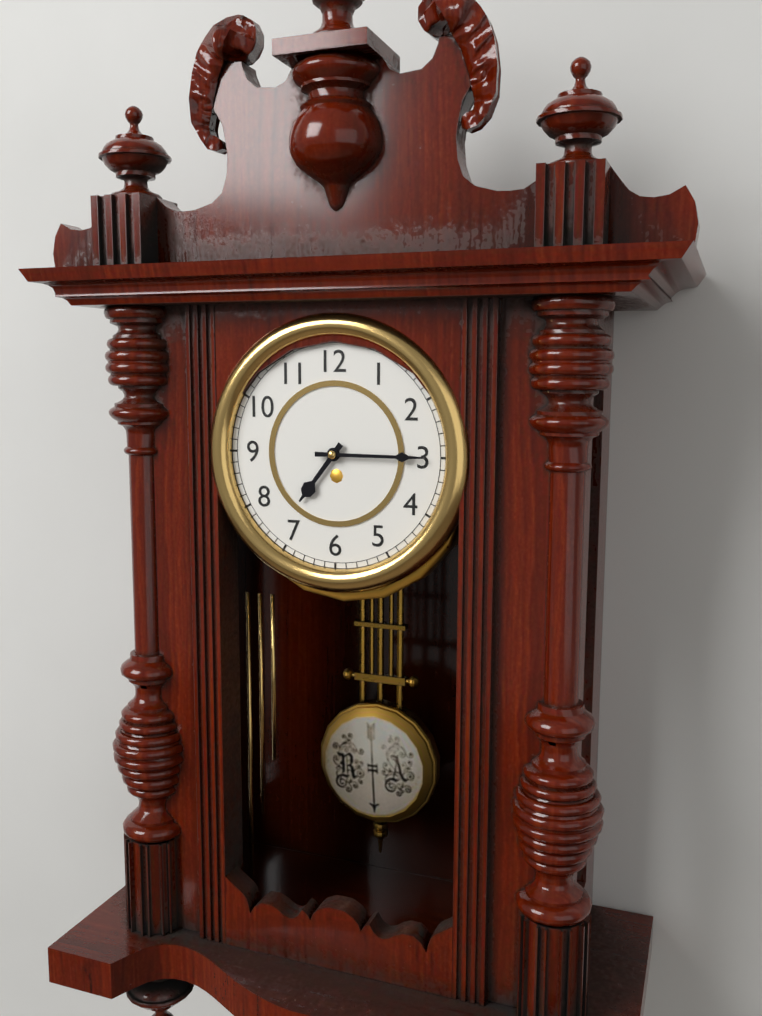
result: **7:15**
